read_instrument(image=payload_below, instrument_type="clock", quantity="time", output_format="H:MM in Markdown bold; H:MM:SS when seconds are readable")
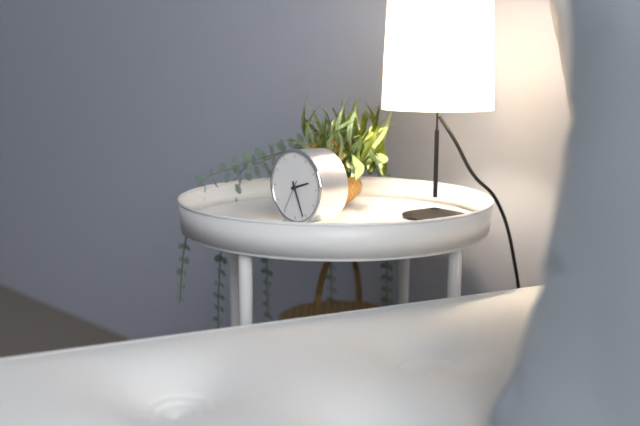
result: **2:26**
